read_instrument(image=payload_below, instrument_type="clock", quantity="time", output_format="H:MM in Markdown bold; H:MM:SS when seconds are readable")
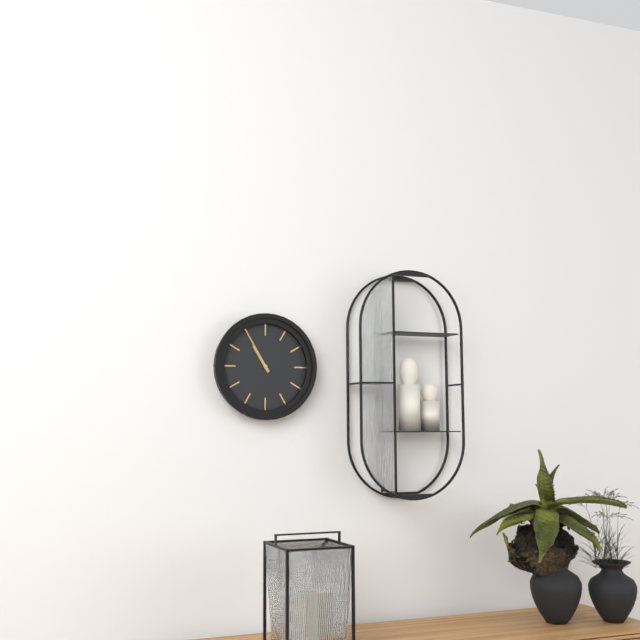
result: **10:55**
